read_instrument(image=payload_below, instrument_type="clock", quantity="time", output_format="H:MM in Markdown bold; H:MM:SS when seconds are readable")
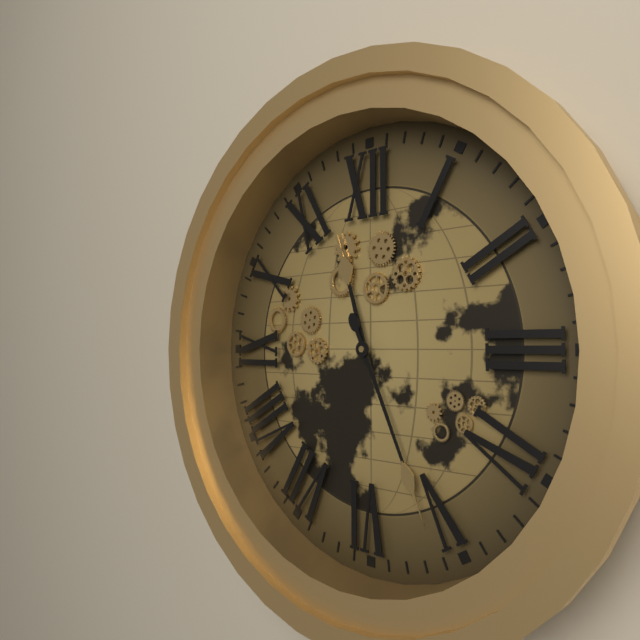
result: **11:26**
